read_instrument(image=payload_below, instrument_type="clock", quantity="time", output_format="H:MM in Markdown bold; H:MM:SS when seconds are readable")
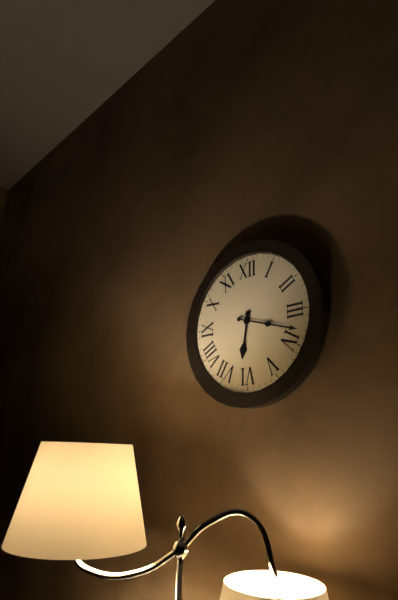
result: **6:18**
